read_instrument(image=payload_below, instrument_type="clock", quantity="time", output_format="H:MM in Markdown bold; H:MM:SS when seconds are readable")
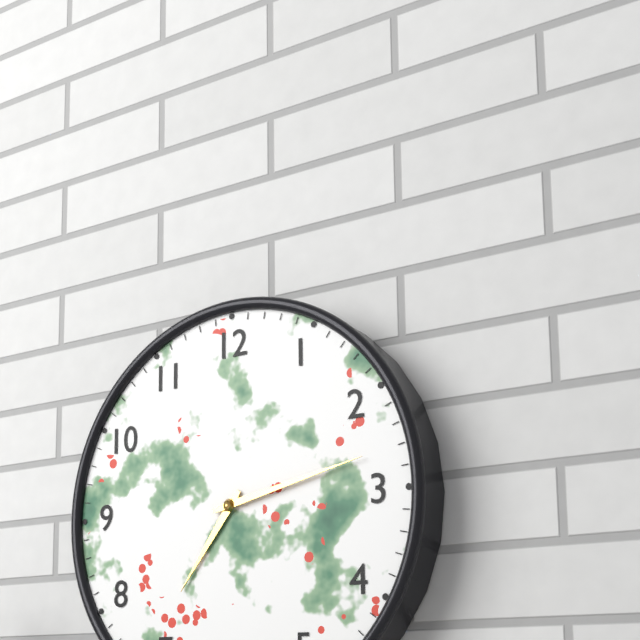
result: **7:13**
